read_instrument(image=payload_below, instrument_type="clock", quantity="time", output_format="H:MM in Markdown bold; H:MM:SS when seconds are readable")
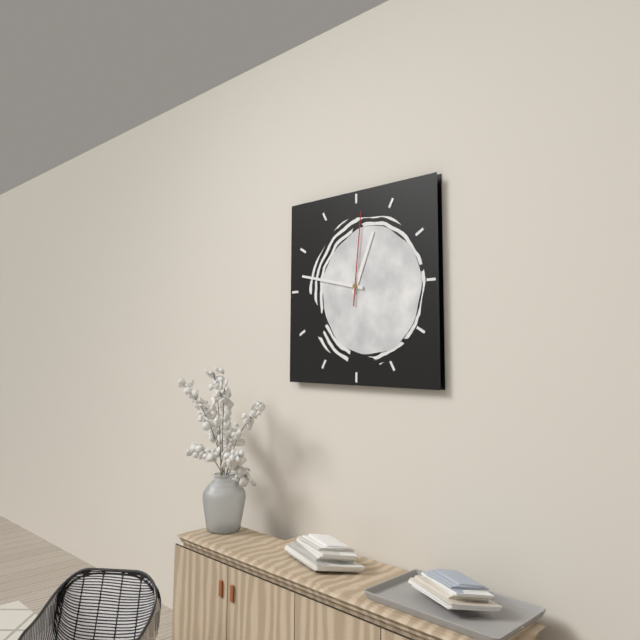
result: **12:47:01**
